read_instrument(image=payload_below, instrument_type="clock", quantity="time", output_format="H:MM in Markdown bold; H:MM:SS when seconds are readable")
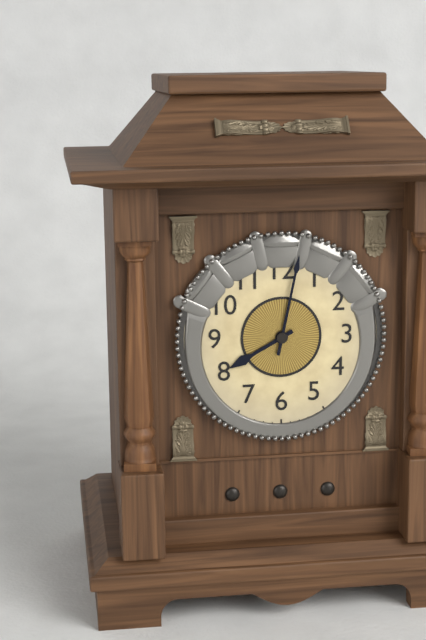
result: **8:02**
